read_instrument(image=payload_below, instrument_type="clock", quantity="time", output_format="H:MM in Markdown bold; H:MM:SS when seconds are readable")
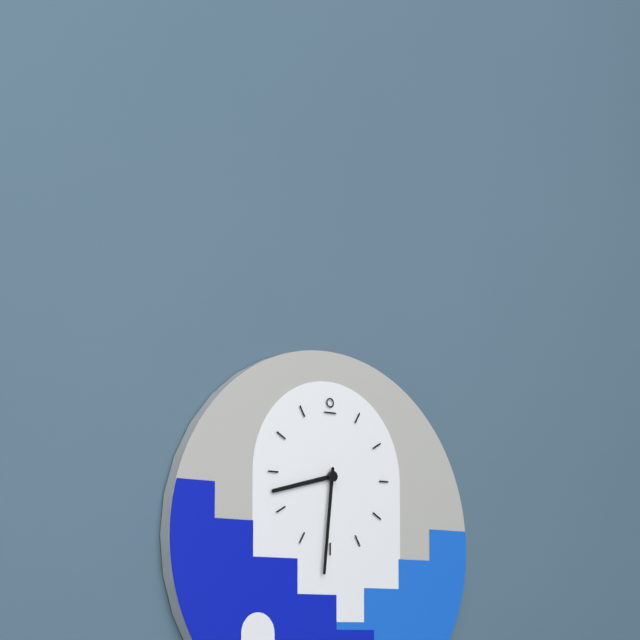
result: **8:31**
